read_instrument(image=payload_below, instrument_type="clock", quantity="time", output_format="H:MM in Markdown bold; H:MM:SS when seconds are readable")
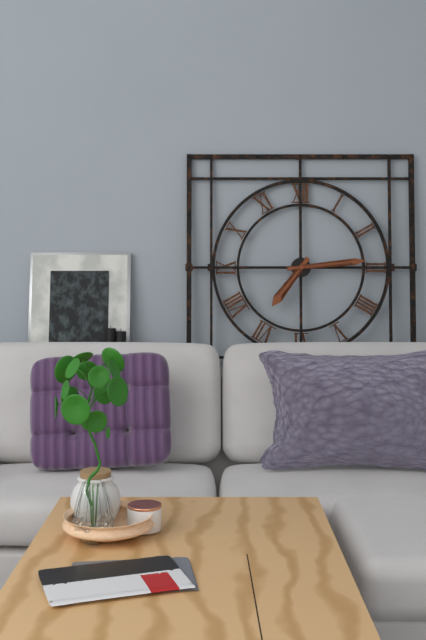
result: **7:14**
